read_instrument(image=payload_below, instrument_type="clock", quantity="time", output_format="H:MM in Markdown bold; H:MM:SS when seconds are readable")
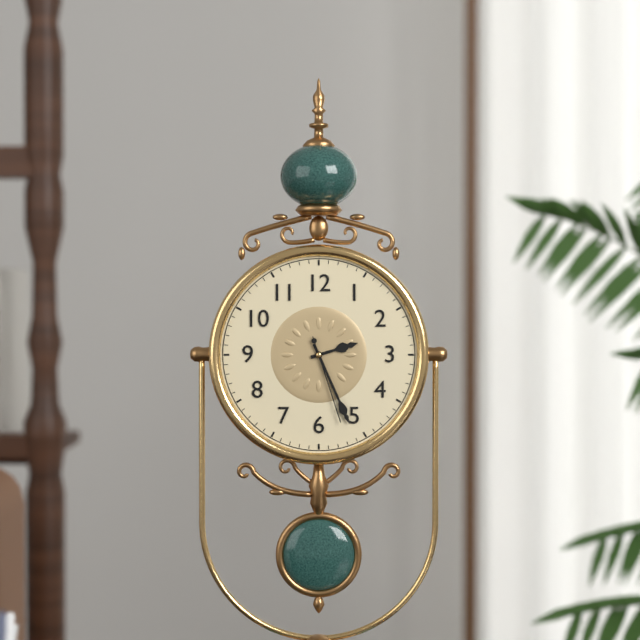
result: **2:26:27**
